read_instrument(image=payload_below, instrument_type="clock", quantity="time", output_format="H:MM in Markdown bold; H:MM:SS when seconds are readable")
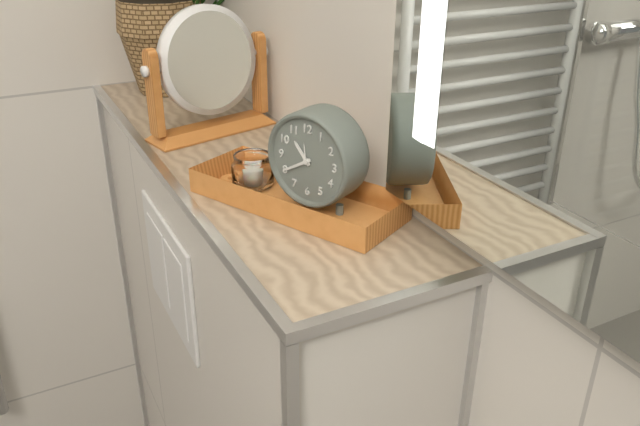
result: **10:40**
